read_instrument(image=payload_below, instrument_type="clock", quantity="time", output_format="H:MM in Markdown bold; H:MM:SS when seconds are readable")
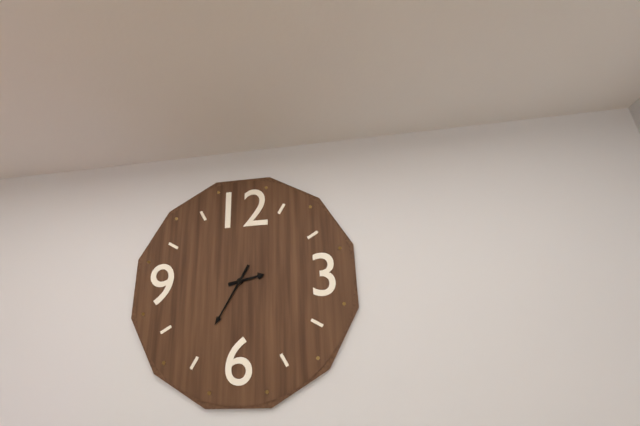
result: **2:35**
